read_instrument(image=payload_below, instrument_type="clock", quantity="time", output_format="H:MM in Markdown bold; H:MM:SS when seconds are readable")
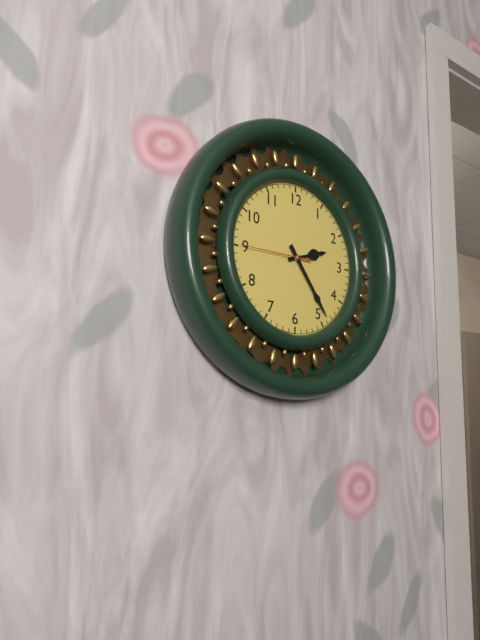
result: **2:24:45**
